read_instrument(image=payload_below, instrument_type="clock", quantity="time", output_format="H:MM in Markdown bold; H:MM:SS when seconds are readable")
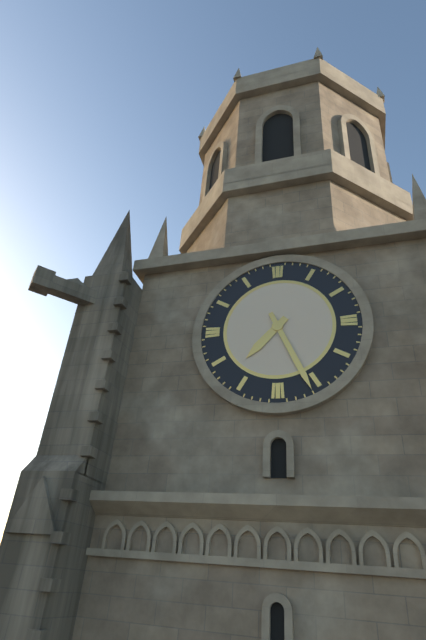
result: **7:26**
